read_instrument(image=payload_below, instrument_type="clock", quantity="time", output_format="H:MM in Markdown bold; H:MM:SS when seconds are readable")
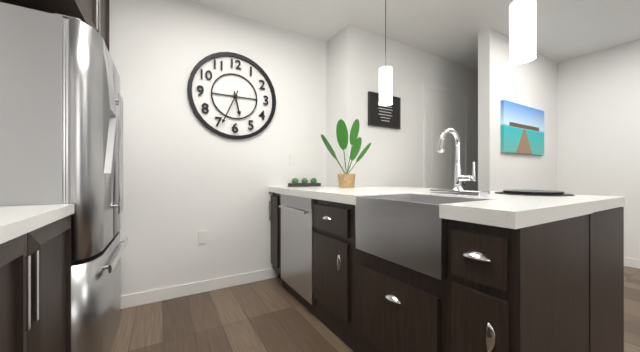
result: **5:34**
